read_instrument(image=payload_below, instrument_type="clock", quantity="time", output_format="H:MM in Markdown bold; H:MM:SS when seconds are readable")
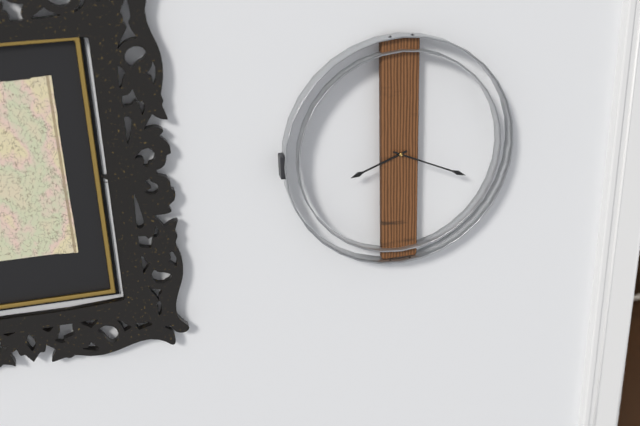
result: **8:19**
